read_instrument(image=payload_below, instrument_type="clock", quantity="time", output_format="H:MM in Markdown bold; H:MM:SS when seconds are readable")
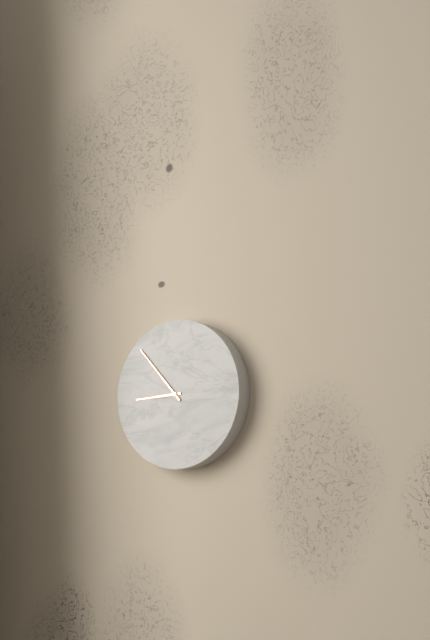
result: **8:53**
